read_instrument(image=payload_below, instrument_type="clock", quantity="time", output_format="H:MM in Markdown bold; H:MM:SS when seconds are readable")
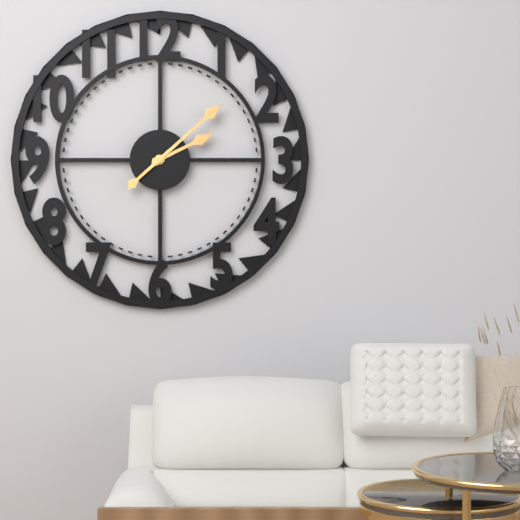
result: **2:08**
